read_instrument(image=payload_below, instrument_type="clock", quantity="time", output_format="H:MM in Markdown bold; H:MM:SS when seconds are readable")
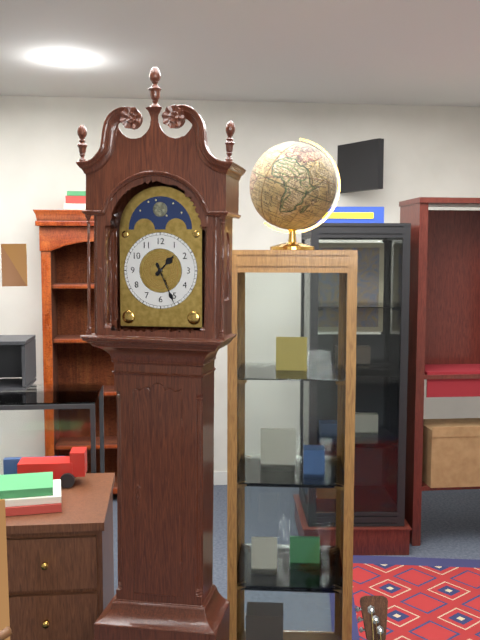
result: **1:26**
